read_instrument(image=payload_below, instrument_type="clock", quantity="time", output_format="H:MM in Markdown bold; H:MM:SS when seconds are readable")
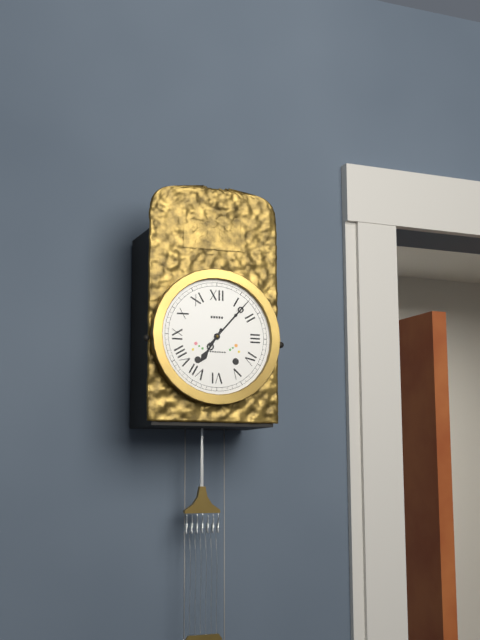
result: **7:07**
